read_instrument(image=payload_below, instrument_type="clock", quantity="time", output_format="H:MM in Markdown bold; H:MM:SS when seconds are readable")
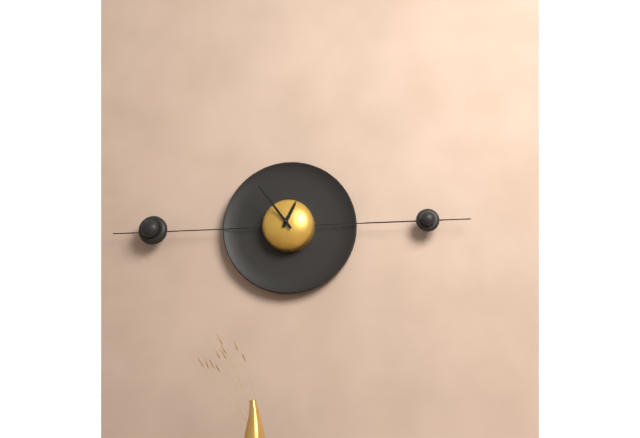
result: **12:54**
